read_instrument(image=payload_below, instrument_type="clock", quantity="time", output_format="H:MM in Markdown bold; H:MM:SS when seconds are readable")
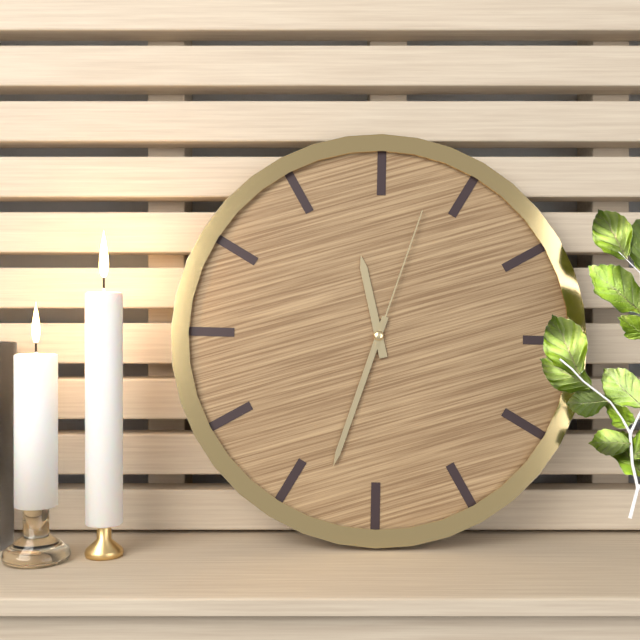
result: **11:33:03**
